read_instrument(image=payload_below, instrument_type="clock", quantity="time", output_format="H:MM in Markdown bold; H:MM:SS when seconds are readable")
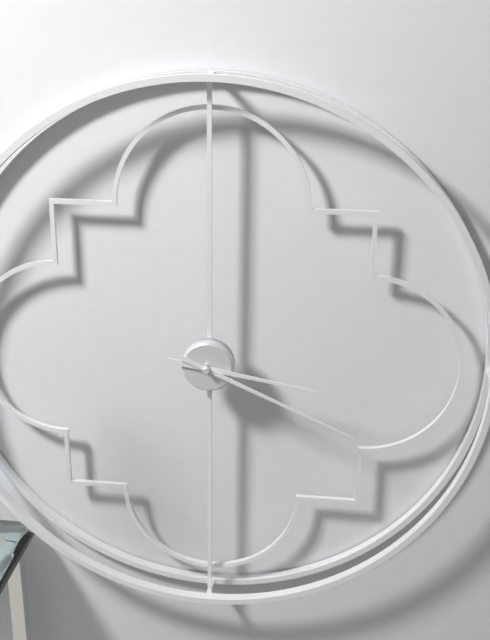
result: **3:19**
